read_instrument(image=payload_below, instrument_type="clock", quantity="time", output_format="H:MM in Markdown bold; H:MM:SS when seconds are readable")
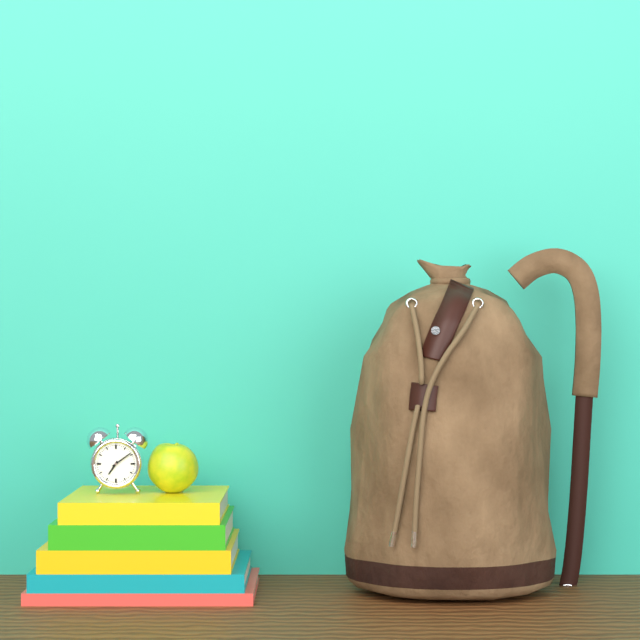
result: **7:09**
